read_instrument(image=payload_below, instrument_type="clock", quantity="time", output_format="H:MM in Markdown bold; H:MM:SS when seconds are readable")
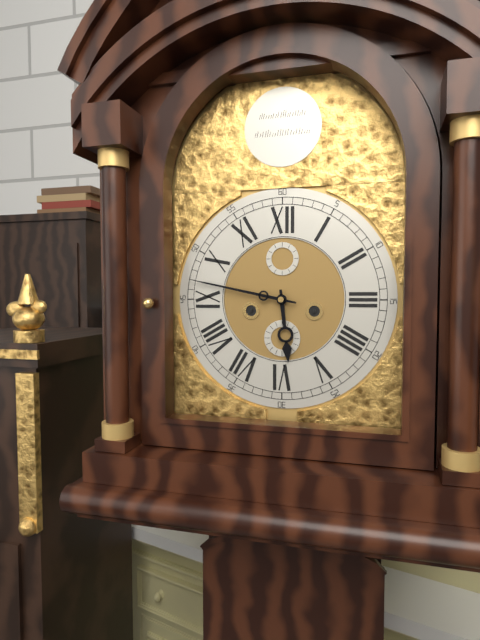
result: **5:47**
